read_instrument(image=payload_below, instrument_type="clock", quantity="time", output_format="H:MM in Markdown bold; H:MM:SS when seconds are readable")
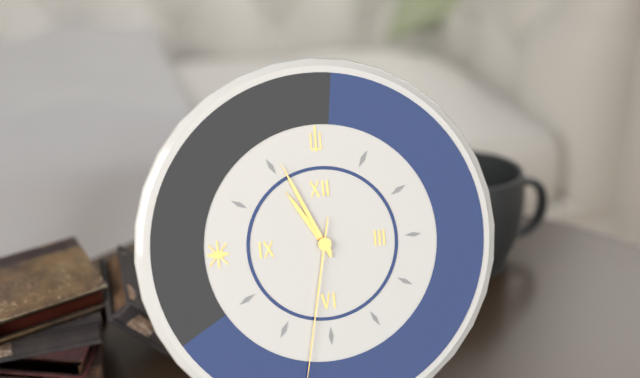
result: **10:56**
